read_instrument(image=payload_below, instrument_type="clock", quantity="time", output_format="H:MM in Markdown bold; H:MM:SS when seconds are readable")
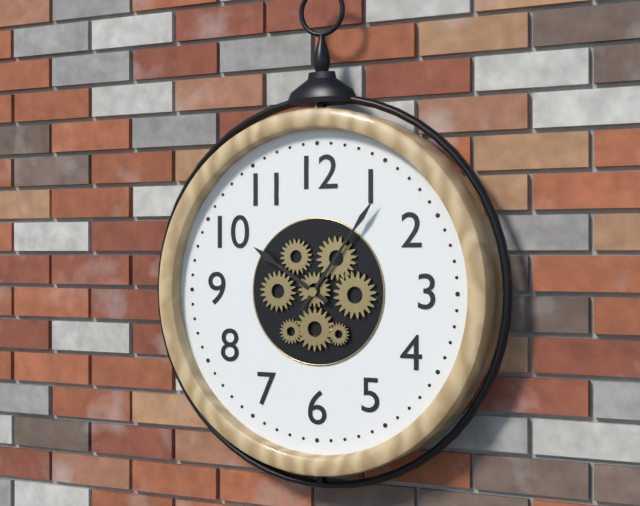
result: **10:06**
